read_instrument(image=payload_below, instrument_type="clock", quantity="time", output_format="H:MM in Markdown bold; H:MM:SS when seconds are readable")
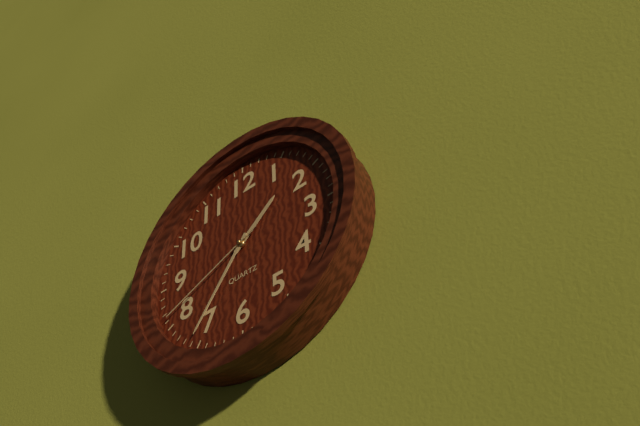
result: **1:36:41**
